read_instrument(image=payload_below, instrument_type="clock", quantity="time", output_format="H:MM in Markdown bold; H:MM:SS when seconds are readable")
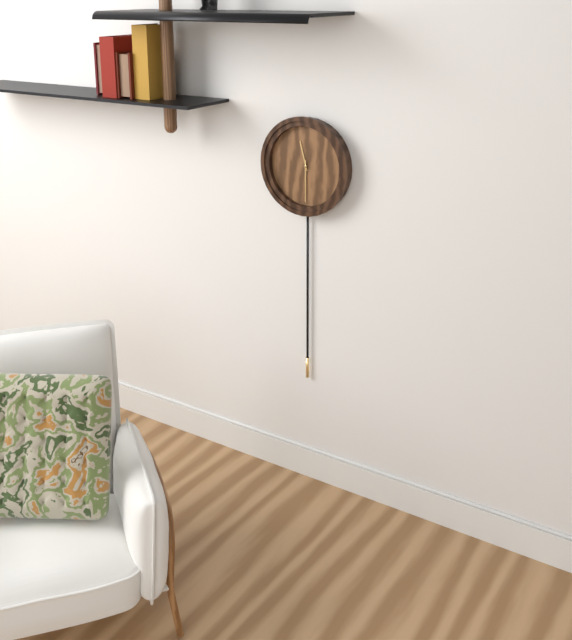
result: **11:30**
